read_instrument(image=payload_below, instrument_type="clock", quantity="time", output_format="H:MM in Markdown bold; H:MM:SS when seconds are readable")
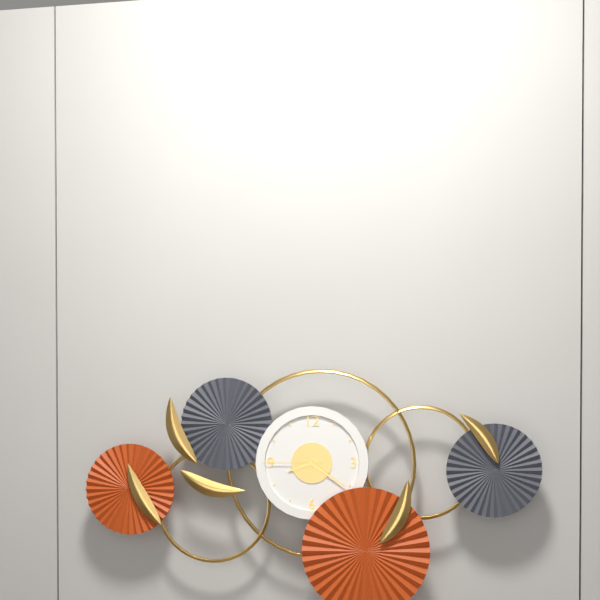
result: **8:21:45**
